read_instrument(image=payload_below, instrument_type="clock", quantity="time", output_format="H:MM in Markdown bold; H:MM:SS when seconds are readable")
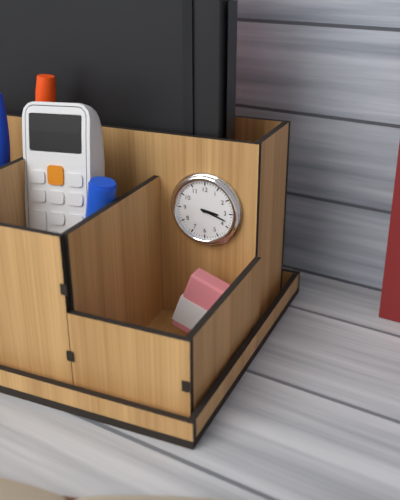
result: **3:18**
